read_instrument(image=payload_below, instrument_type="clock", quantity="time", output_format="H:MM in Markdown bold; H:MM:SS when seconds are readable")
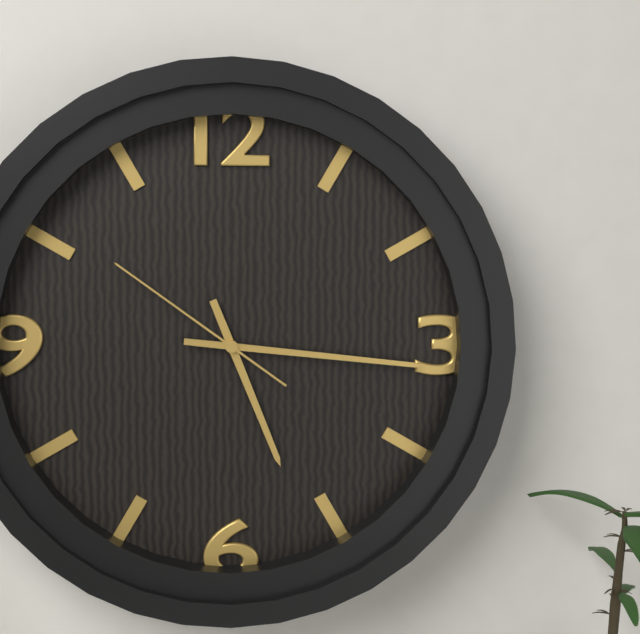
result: **5:16:51**
